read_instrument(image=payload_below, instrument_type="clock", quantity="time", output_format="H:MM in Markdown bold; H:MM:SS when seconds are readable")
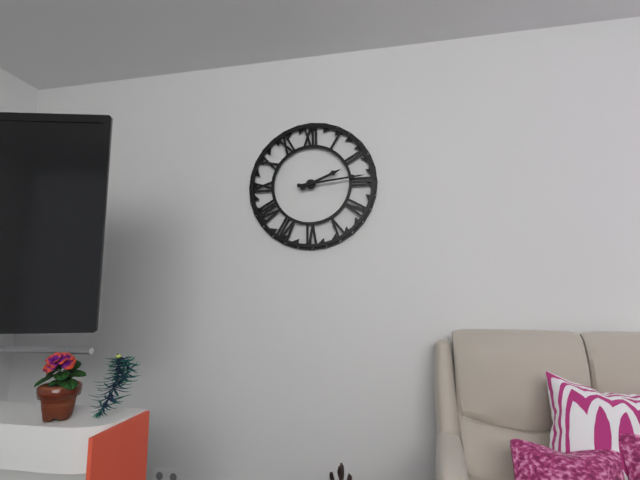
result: **2:14**
